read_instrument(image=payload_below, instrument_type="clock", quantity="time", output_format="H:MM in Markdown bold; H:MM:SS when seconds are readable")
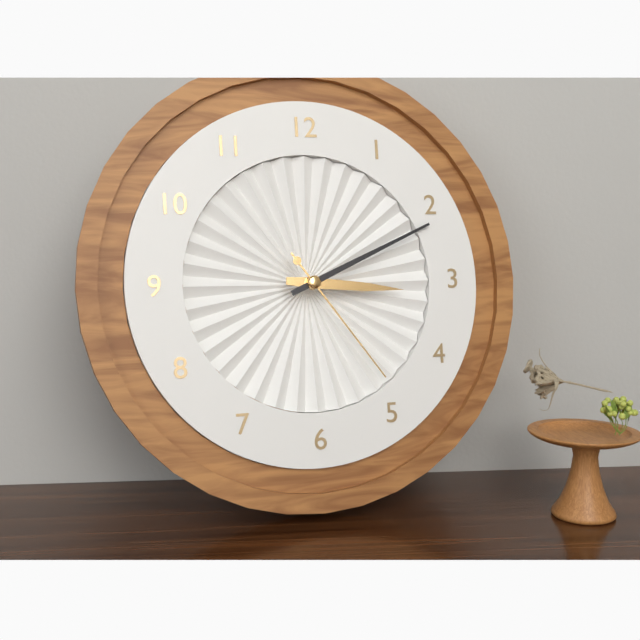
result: **3:11:24**
